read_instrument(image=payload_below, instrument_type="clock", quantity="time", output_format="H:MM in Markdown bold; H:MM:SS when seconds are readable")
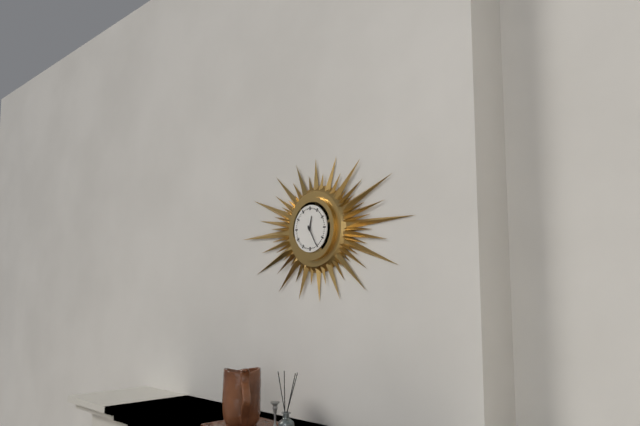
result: **12:25**
